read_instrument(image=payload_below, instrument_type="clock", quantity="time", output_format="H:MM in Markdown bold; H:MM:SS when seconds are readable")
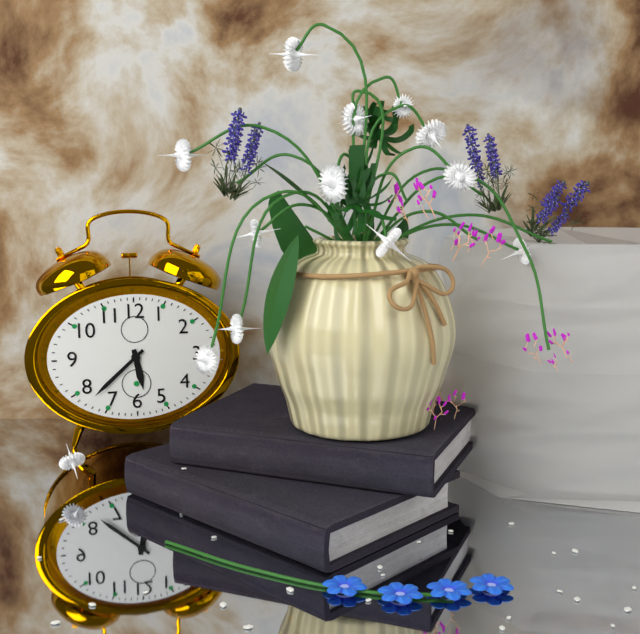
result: **5:38**
